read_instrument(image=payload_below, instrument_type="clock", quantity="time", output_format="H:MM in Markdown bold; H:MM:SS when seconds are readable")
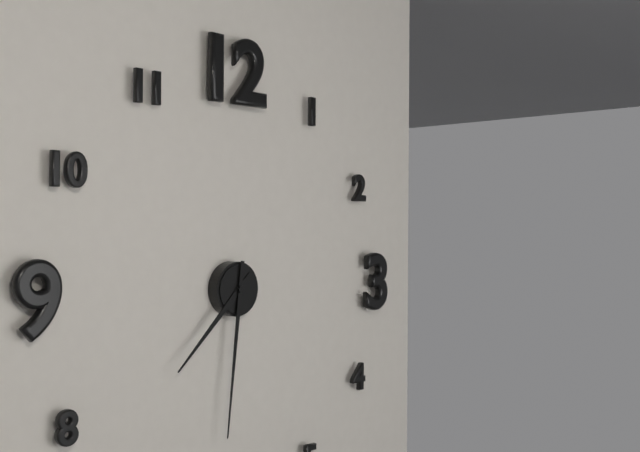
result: **7:31**
